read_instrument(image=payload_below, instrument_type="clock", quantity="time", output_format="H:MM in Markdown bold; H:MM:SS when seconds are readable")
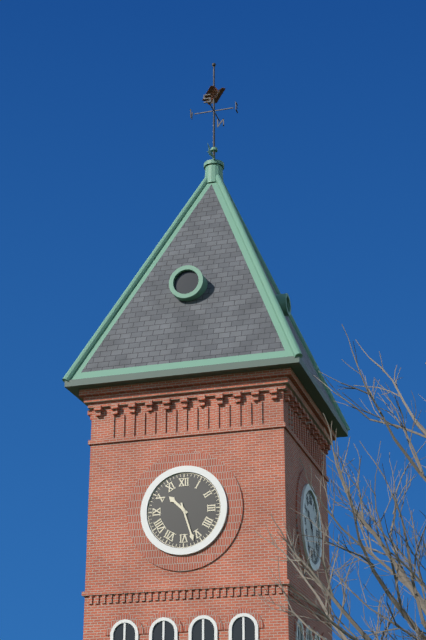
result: **10:27**
